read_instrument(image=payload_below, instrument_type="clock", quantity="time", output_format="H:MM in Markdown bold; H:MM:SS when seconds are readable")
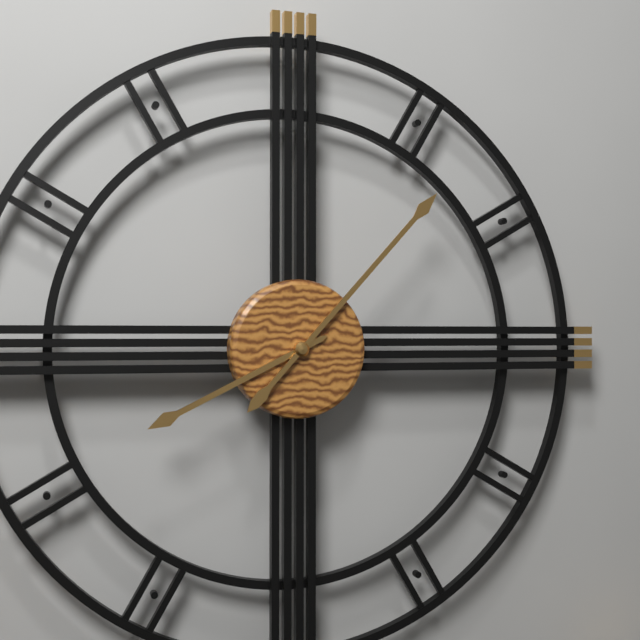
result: **8:07**
